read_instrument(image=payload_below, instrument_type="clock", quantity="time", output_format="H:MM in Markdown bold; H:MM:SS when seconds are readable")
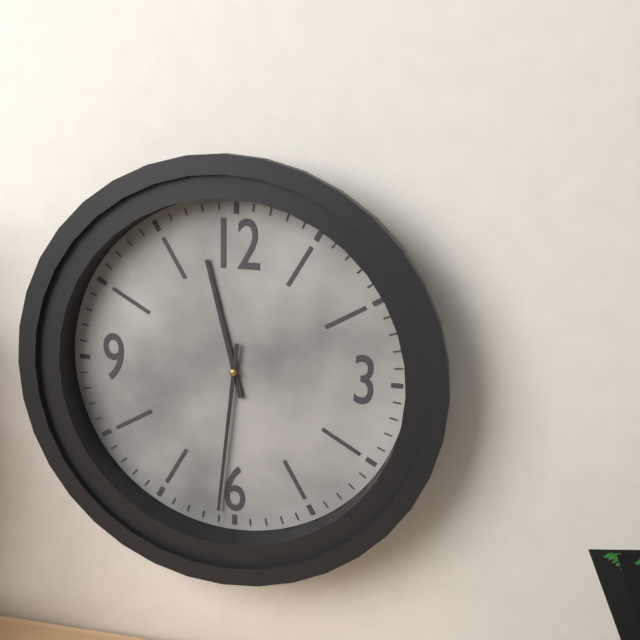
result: **11:31**
